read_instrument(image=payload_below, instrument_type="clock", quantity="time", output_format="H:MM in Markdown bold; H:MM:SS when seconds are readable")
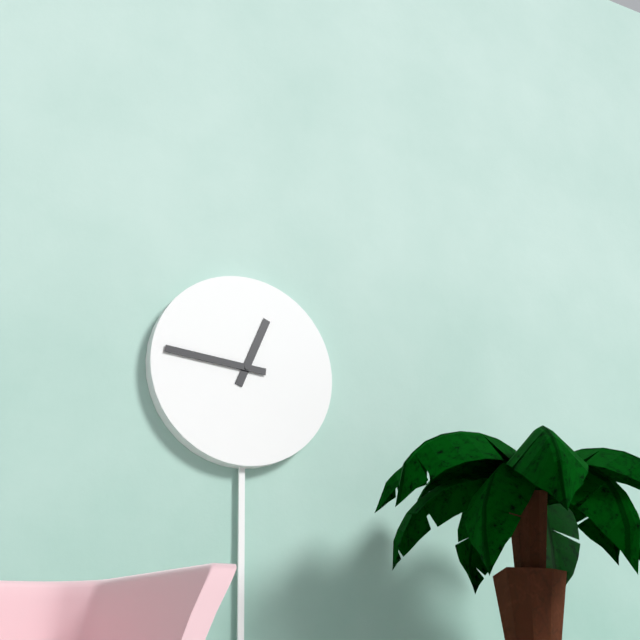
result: **12:46**
